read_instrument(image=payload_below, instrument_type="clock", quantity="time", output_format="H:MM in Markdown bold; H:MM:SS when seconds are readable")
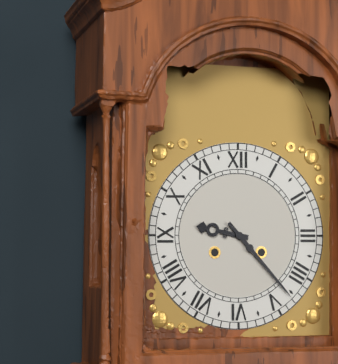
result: **9:23**
